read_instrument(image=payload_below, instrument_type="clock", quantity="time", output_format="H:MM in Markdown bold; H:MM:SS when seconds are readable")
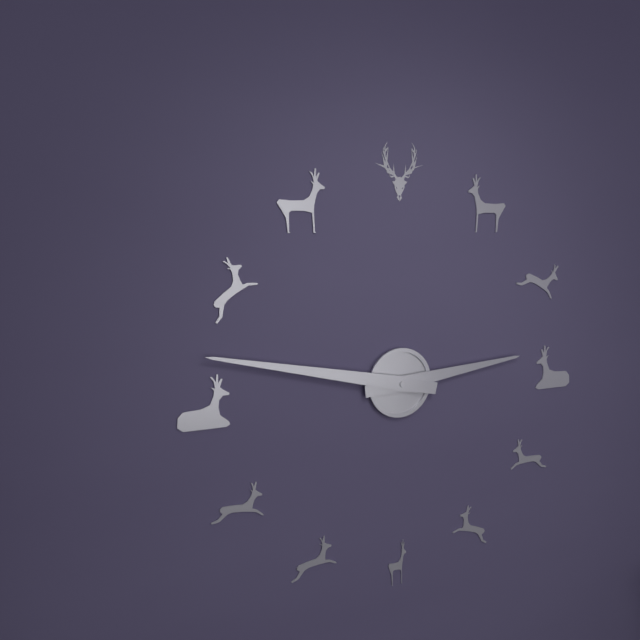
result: **2:47**
